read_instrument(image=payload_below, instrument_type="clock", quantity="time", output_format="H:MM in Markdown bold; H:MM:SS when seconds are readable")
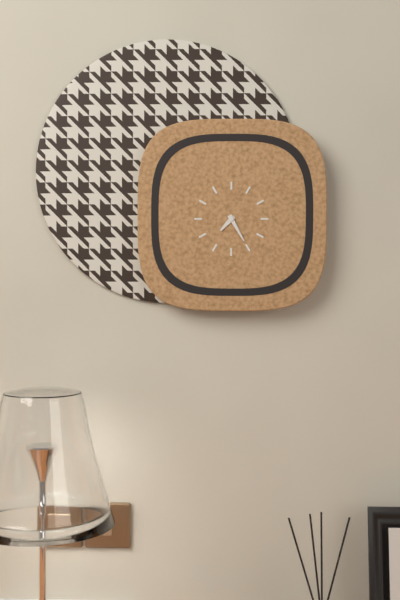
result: **7:25**
